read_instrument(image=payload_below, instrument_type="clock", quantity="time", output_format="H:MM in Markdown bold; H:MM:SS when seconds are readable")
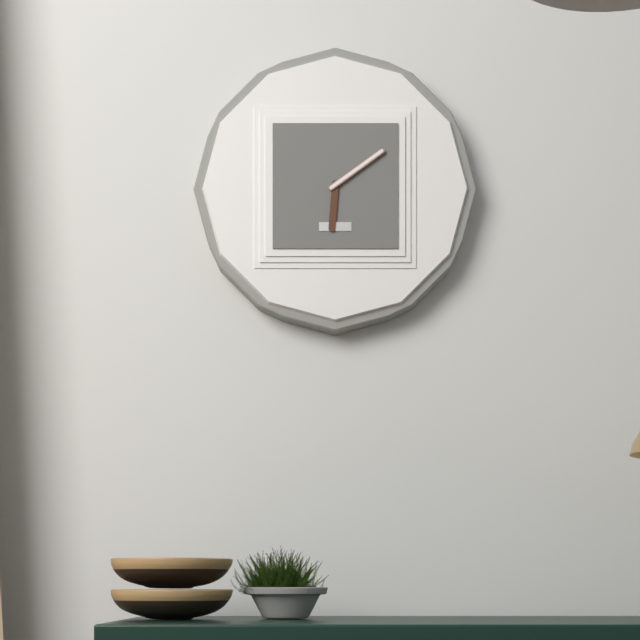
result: **6:09**
